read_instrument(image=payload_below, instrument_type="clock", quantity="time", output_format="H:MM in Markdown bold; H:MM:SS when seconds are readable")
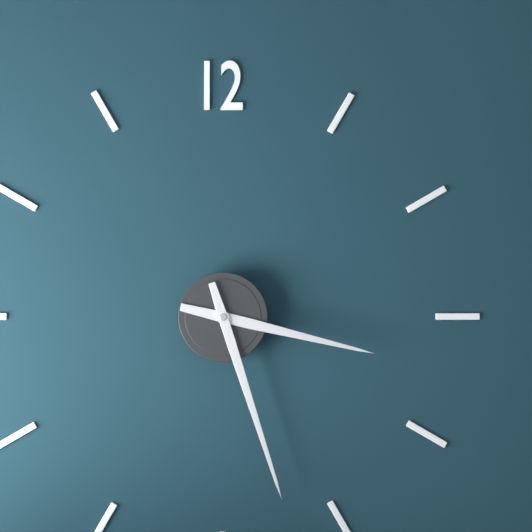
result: **3:27**
